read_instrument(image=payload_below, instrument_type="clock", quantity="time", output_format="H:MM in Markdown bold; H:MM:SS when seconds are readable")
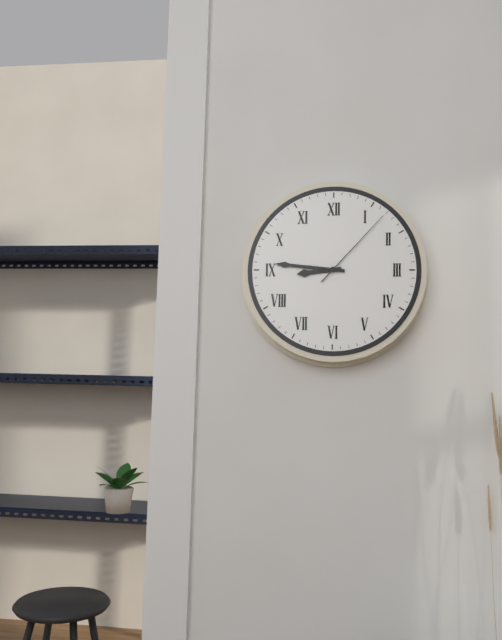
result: **8:46:07**
